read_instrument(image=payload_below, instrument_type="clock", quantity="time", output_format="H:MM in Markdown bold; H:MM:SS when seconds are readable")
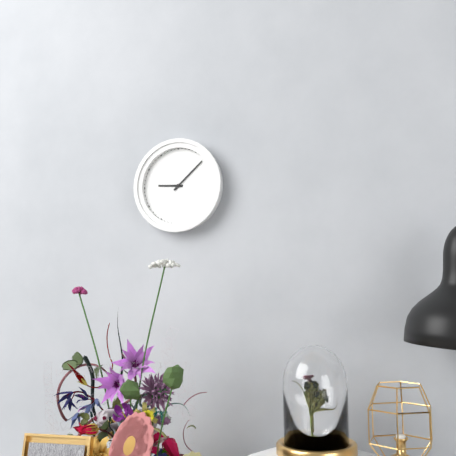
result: **9:08**
